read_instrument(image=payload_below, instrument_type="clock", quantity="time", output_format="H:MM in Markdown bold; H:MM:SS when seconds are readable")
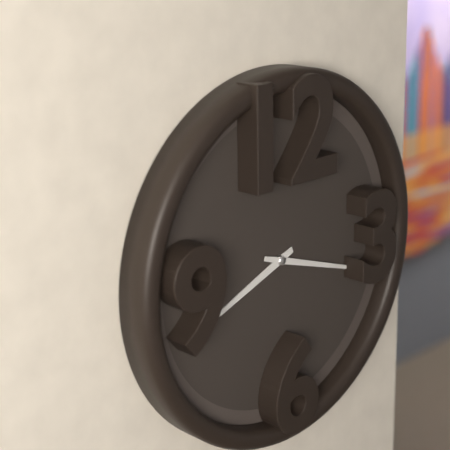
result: **8:18**
